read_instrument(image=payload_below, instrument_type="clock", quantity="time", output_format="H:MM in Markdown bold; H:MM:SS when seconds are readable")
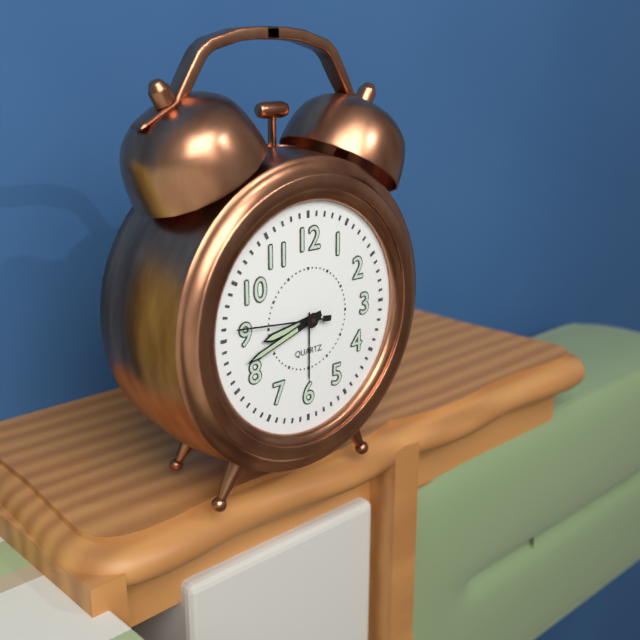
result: **8:42:46**
